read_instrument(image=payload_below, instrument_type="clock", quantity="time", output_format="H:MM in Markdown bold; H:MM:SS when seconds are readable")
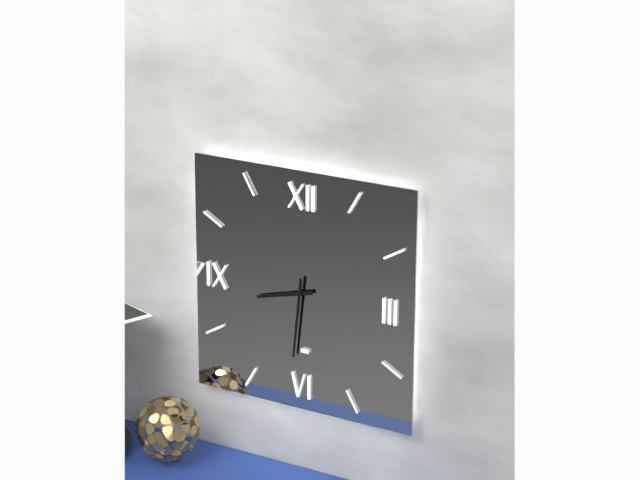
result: **8:31**
